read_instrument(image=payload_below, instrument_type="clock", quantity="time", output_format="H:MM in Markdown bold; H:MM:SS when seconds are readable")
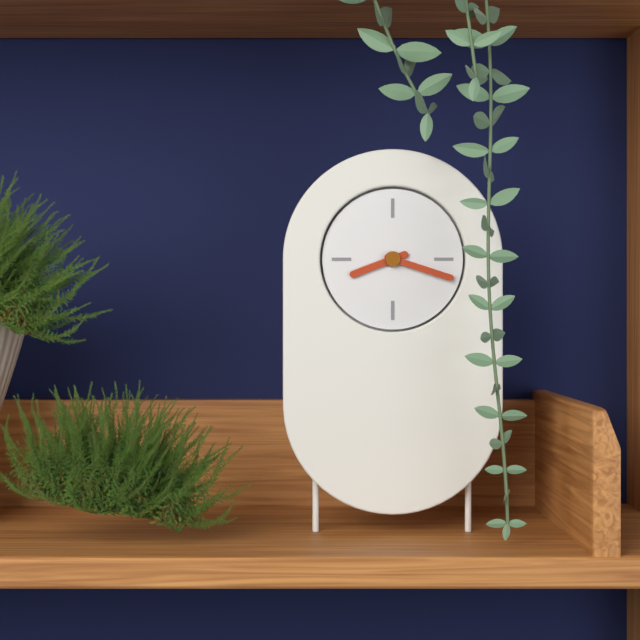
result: **8:18**
